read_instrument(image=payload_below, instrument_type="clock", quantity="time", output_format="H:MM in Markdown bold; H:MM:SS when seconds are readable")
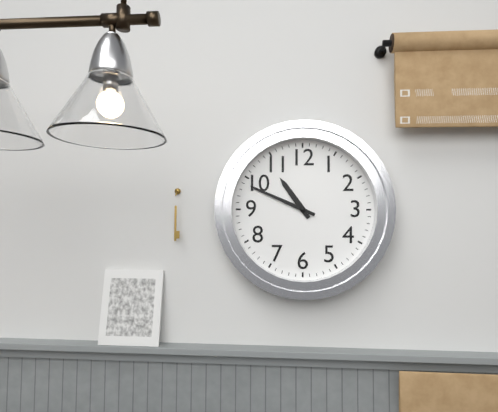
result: **10:49**
